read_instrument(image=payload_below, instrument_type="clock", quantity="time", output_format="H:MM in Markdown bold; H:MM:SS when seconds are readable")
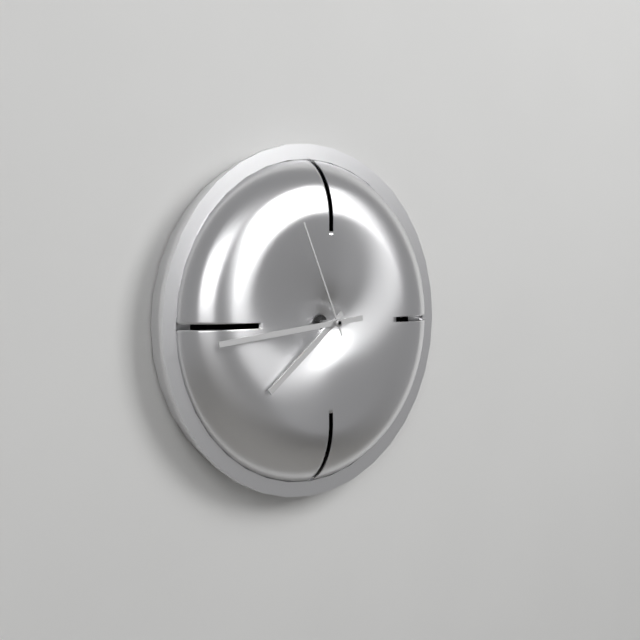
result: **7:44:56**
